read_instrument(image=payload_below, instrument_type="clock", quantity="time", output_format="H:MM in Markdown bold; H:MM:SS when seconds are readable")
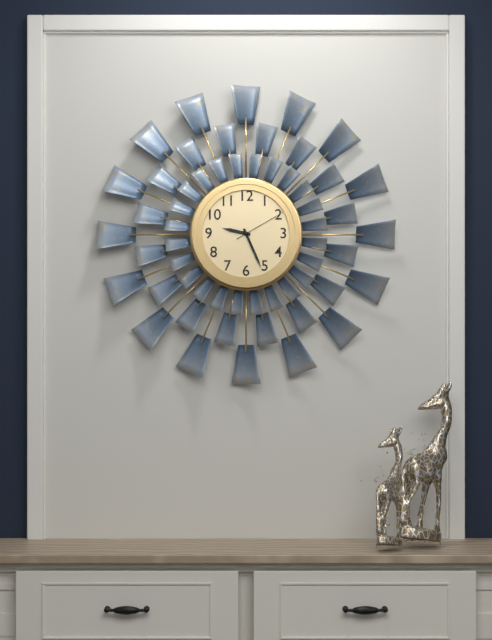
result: **9:26:10**
